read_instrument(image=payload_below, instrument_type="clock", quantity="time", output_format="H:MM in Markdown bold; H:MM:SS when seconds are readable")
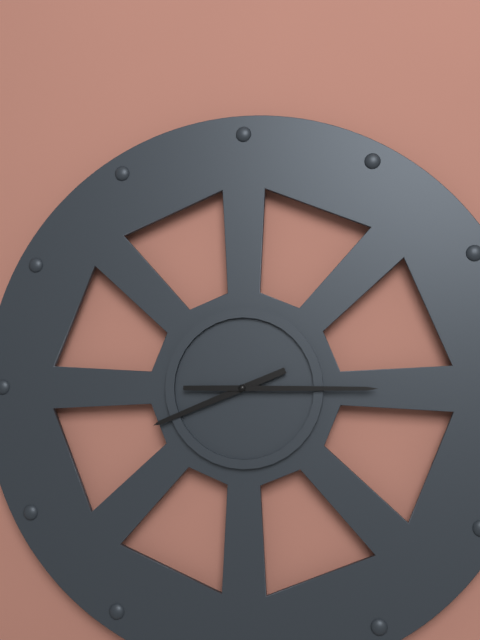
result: **8:15**
